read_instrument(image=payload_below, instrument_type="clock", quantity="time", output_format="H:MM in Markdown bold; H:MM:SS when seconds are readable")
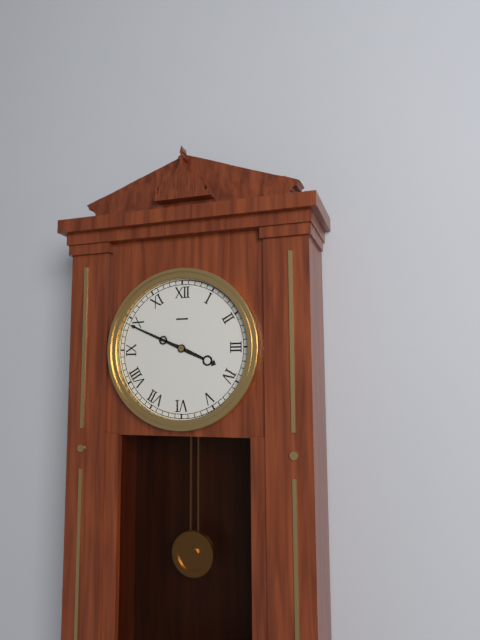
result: **3:49**
